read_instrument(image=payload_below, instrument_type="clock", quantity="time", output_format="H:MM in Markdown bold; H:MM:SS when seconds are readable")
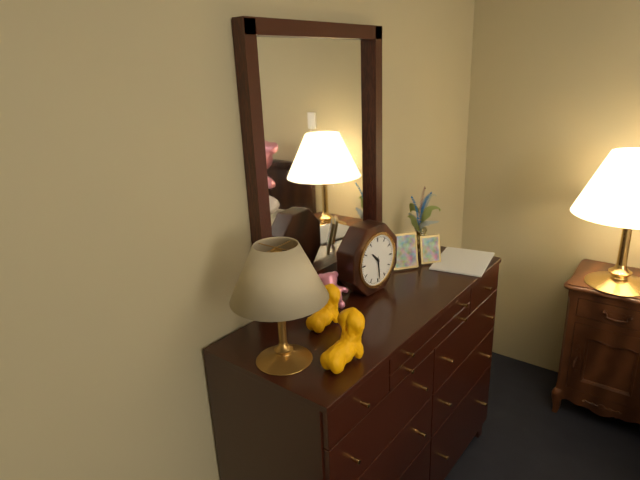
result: **10:29**
